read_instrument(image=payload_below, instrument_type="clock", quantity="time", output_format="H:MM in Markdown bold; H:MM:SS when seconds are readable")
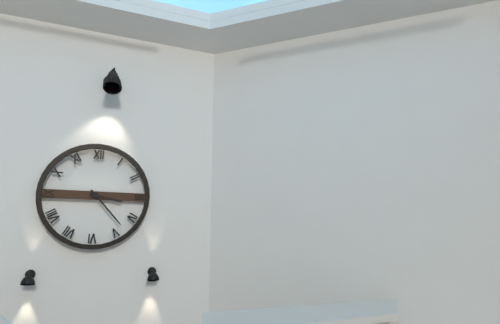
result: **3:23**
